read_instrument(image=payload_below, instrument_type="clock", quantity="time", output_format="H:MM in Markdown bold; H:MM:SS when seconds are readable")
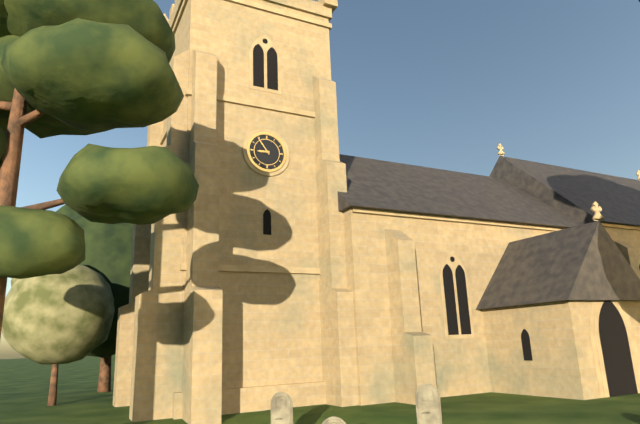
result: **8:54**
